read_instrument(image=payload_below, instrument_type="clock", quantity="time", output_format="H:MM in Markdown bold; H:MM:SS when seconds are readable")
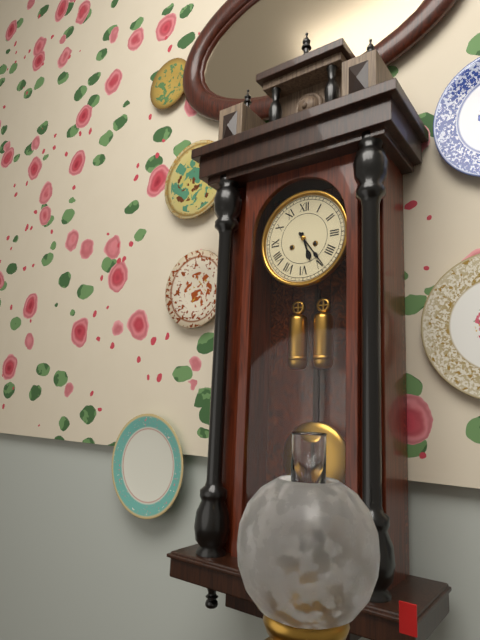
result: **5:24**
